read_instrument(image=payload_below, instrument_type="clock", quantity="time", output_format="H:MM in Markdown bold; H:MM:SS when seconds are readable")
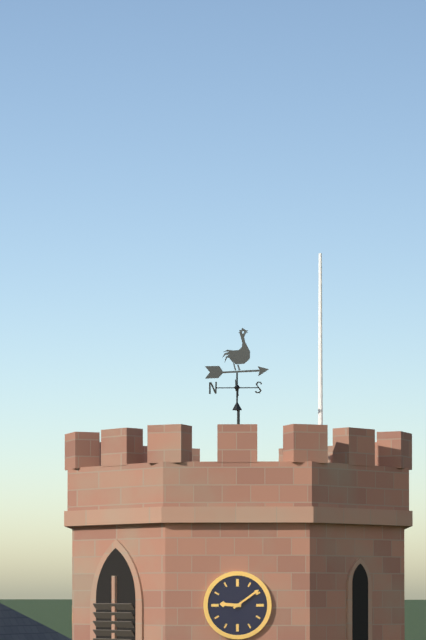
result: **9:09**
